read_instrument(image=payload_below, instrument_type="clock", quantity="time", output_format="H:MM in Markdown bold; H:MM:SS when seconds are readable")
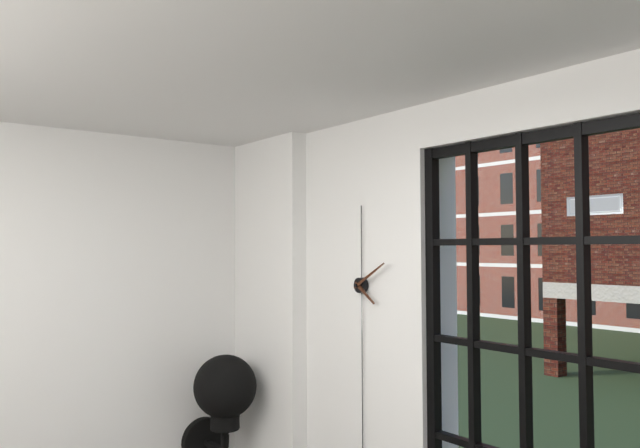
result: **4:10**
